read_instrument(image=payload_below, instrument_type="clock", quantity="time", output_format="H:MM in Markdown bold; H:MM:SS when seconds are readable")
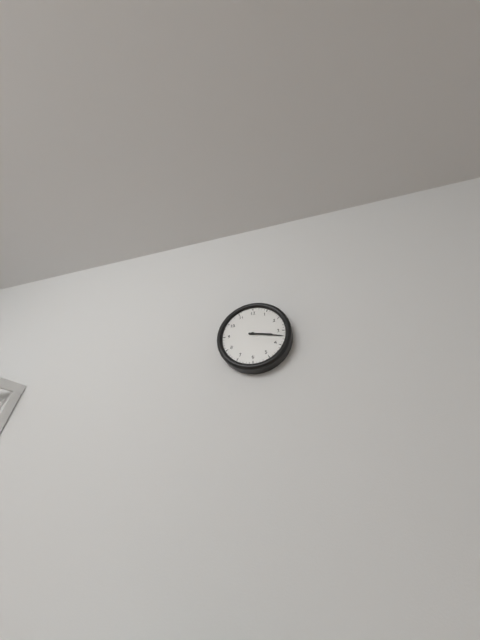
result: **3:17**
